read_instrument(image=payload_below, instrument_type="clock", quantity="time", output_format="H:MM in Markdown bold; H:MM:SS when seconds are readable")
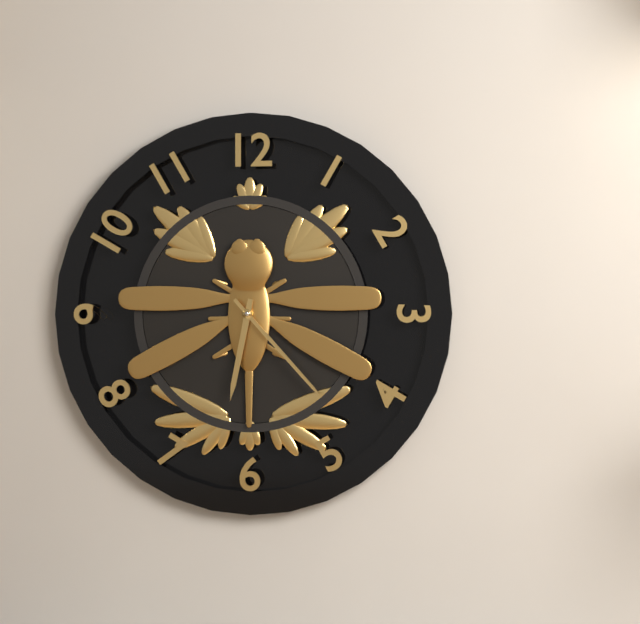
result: **6:23**
